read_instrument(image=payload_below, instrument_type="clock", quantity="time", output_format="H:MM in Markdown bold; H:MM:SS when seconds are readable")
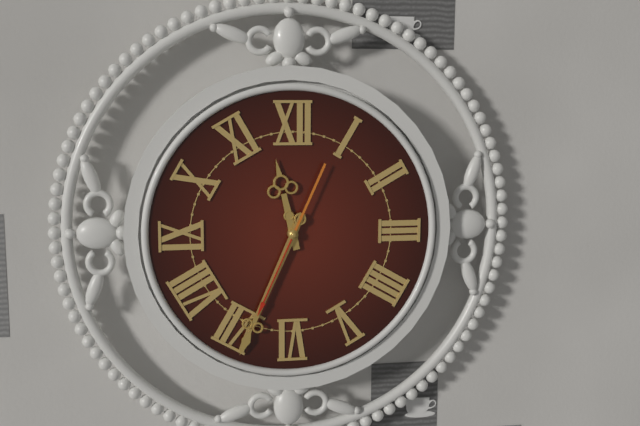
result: **11:34:34**
